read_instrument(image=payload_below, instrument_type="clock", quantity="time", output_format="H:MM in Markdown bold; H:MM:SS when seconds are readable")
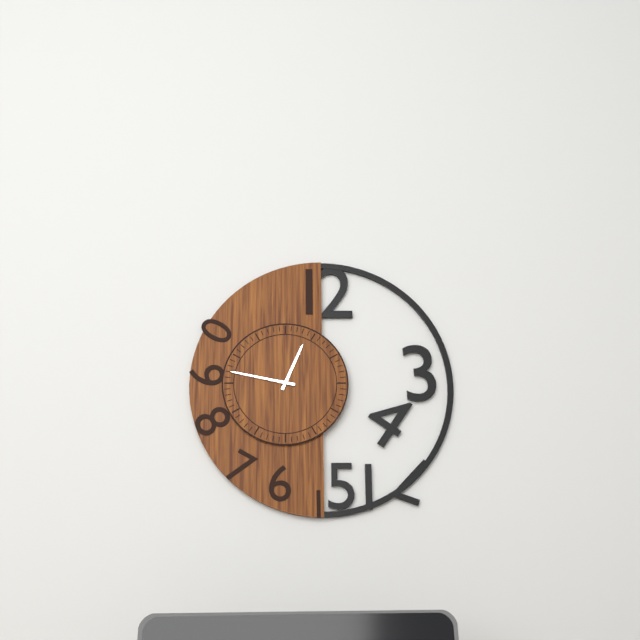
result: **12:47**
